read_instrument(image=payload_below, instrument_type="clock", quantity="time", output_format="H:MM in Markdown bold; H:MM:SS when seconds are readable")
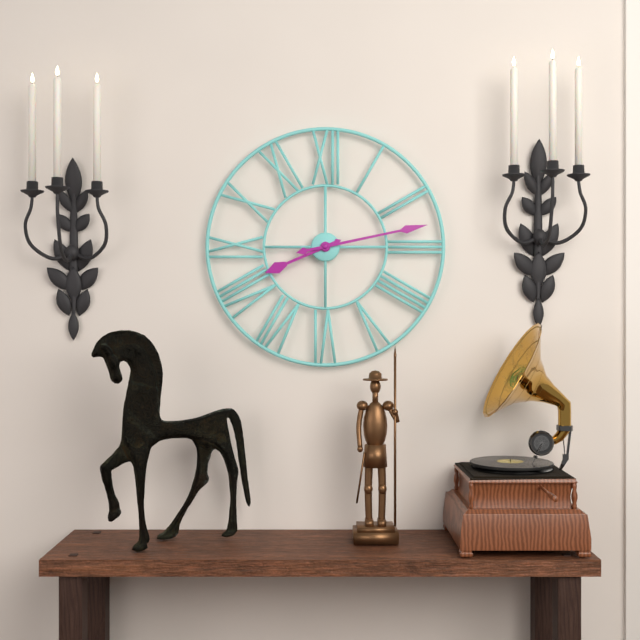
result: **8:13**
